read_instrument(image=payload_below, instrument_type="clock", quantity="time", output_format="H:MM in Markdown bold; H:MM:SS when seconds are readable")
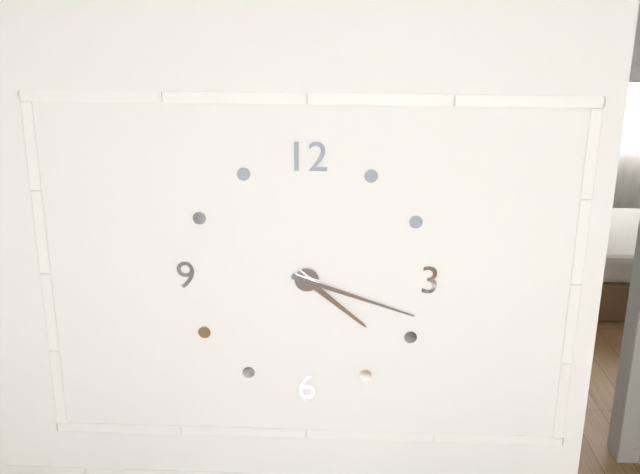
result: **4:18**
